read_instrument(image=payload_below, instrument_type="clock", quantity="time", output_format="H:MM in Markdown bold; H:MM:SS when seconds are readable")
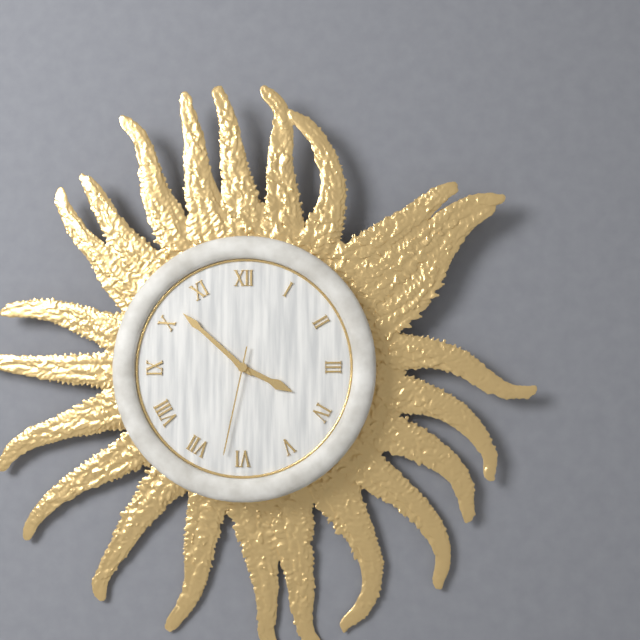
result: **3:52:32**
